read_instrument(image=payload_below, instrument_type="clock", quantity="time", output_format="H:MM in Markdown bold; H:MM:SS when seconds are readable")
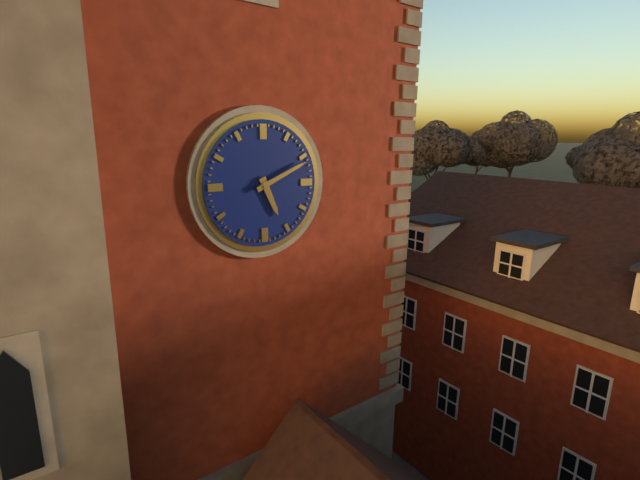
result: **5:11**
